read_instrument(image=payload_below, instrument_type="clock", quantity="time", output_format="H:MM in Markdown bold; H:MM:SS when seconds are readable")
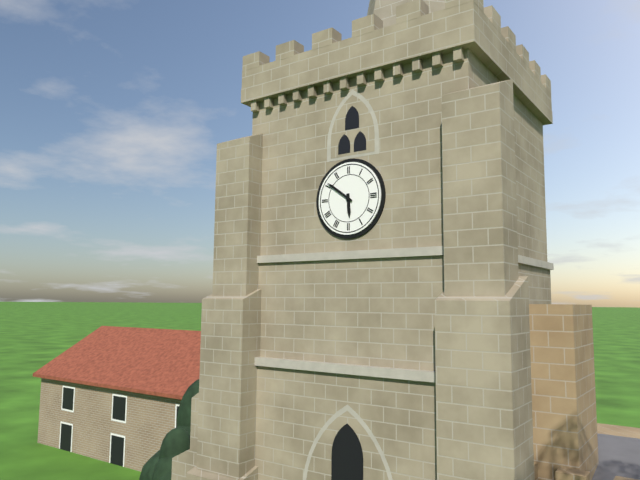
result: **5:51**
